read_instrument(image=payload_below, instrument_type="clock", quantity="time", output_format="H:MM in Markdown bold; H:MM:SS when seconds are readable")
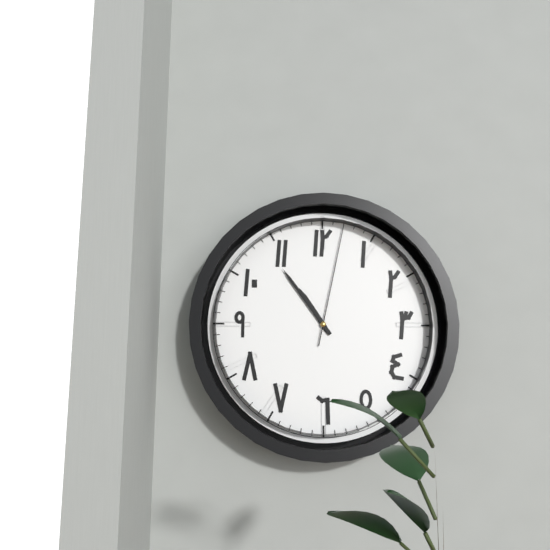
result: **10:54:02**
